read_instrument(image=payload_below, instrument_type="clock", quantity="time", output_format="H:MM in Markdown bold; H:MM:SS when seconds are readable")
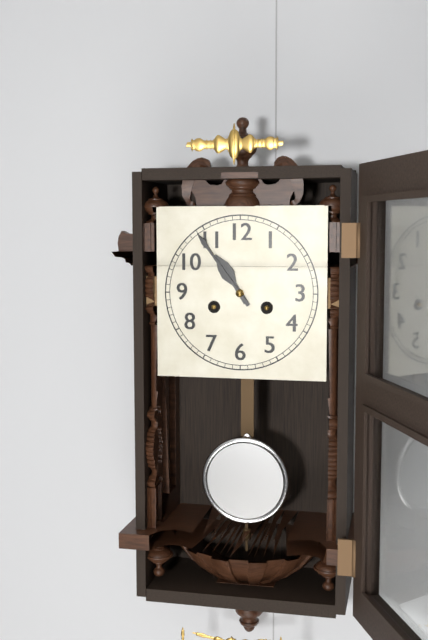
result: **10:54**
